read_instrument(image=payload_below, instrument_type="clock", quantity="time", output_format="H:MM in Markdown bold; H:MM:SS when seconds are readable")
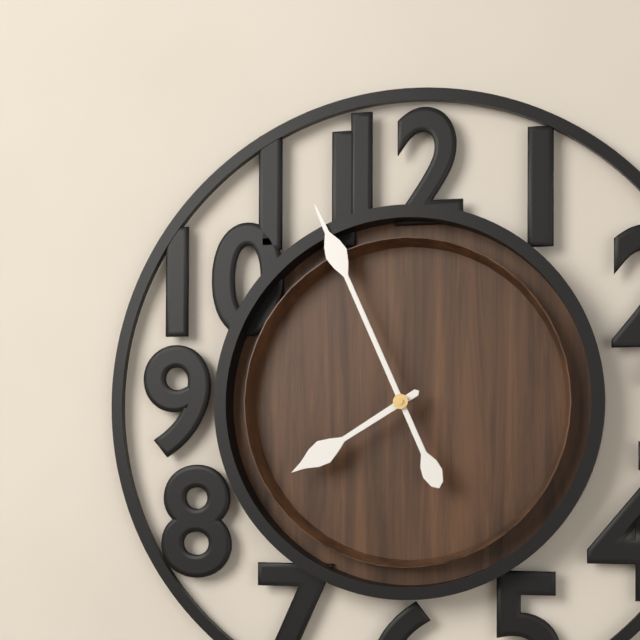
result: **7:56**
